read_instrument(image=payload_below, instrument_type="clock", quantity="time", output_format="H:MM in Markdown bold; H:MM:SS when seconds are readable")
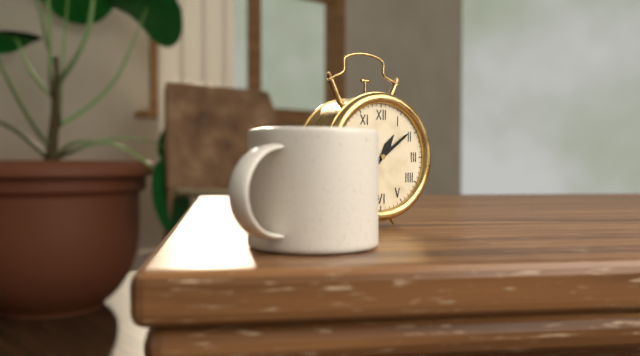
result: **1:09**
